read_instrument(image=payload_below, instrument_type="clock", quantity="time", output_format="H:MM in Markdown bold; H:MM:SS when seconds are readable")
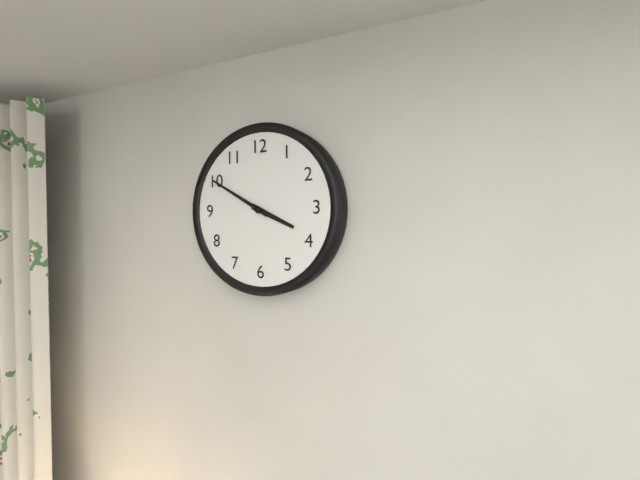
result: **3:50**
